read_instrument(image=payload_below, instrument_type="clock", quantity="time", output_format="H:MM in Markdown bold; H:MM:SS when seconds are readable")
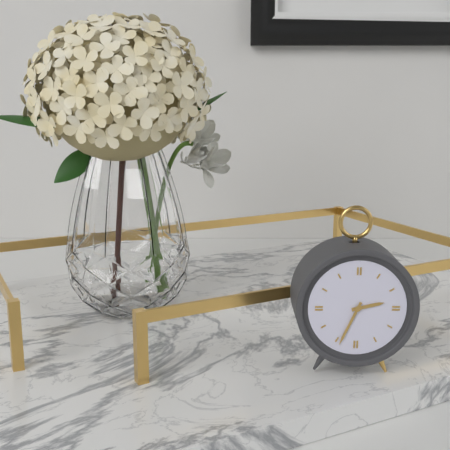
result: **2:34**
